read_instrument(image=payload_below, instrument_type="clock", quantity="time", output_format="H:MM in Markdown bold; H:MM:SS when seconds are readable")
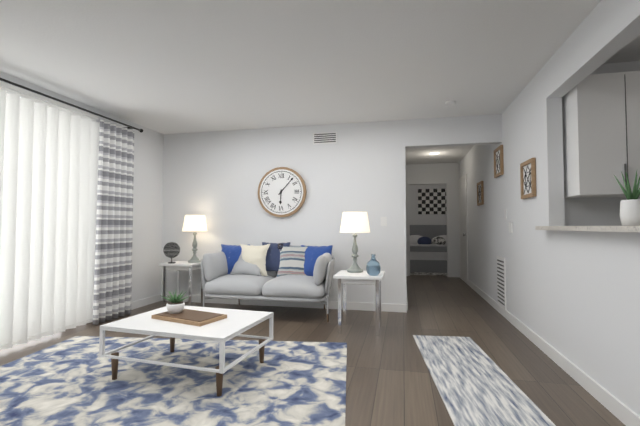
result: **6:07**
